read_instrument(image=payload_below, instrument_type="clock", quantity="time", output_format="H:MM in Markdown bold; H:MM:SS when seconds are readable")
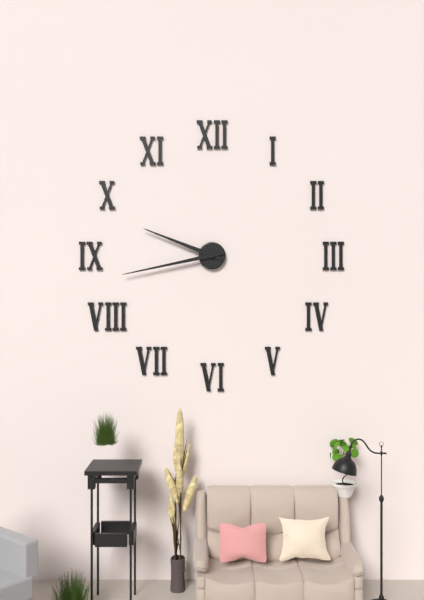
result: **9:43**
